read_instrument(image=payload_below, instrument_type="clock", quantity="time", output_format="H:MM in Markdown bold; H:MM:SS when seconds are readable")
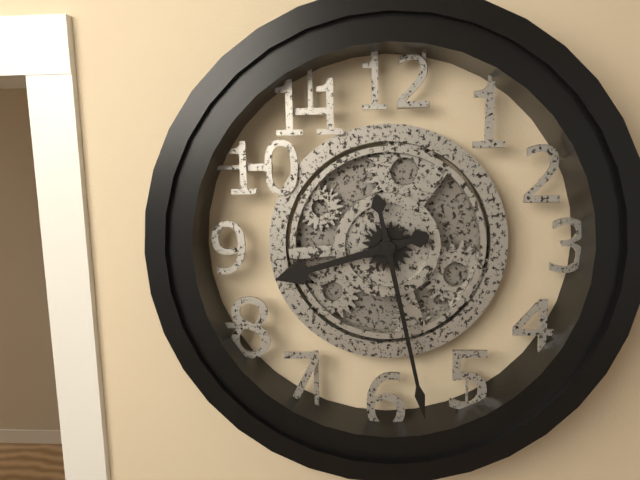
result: **8:28**
